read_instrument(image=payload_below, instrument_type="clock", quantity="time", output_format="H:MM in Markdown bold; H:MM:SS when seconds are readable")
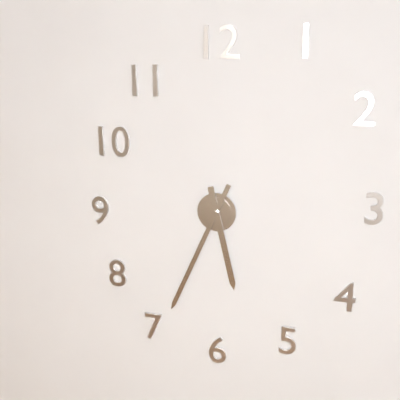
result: **5:34**
